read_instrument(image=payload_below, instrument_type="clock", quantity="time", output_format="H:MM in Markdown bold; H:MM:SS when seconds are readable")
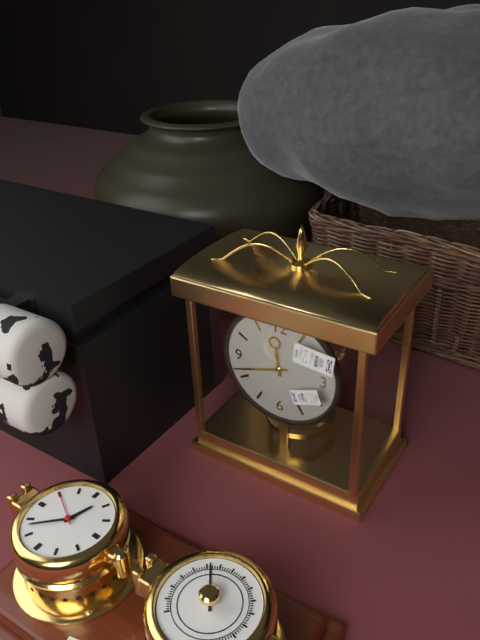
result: **11:42**
